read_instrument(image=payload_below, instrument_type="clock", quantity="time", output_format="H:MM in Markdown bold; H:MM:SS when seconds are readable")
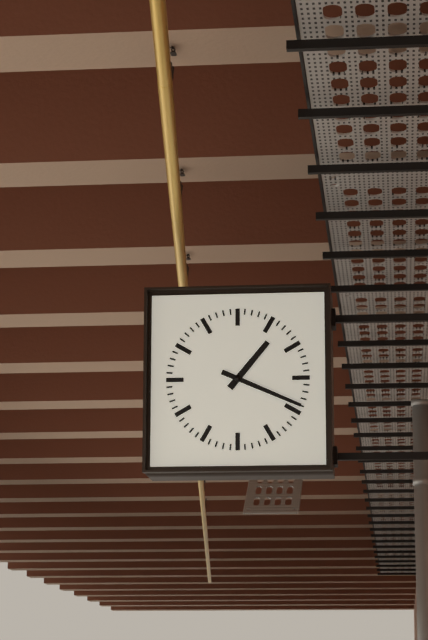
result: **1:19**
